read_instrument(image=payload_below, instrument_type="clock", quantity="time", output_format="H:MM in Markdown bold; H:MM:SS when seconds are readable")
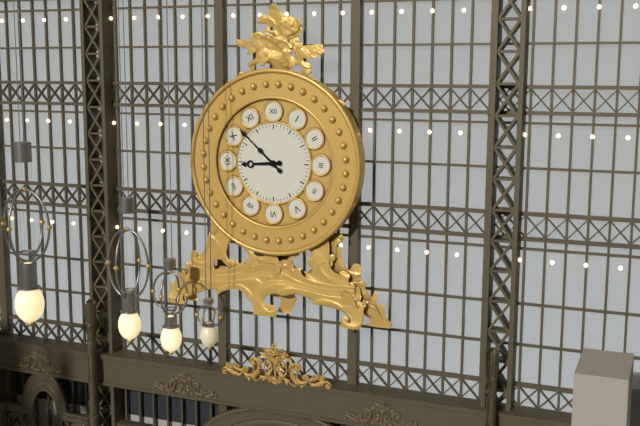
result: **8:52**
